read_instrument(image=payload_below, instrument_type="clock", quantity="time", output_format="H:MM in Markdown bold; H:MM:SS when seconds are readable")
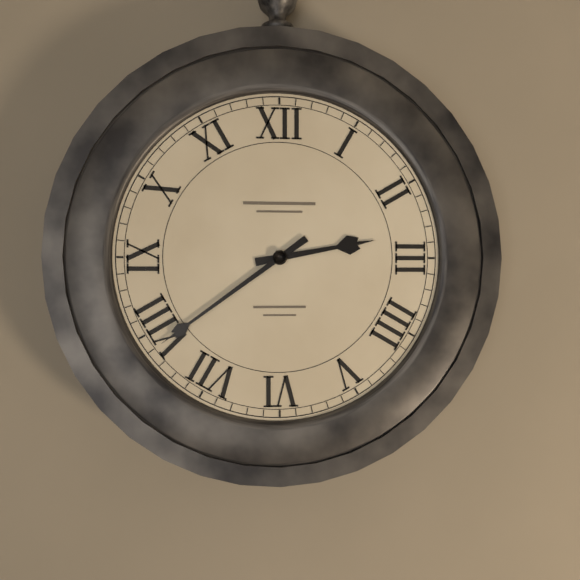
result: **2:39**
